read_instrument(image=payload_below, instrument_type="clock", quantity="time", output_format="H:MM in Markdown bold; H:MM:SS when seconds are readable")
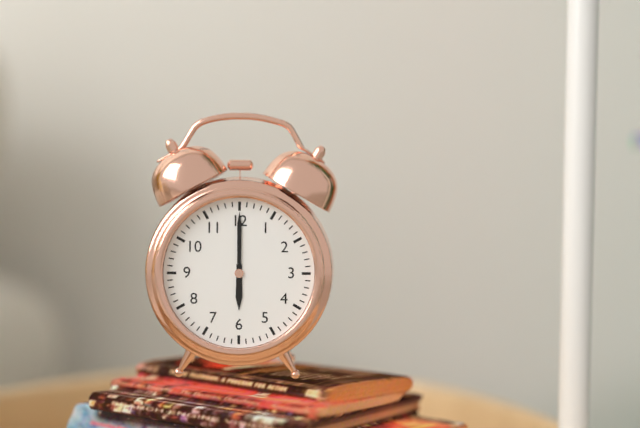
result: **6:00**
